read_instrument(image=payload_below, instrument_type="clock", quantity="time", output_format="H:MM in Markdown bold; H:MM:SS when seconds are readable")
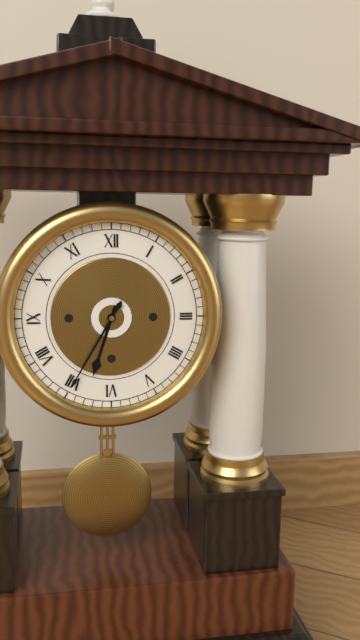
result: **6:35**
